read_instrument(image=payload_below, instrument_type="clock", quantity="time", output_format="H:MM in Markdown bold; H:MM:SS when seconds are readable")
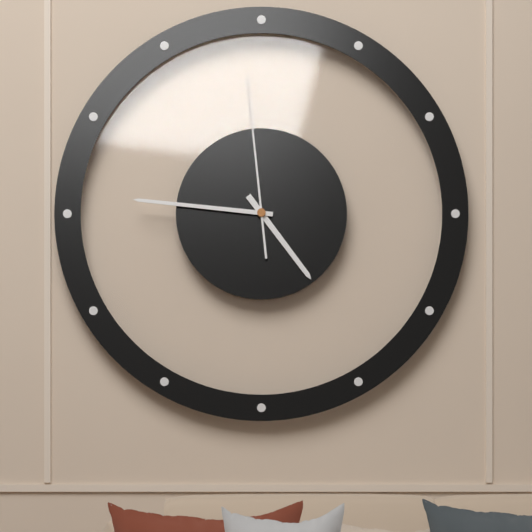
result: **4:46:59**
